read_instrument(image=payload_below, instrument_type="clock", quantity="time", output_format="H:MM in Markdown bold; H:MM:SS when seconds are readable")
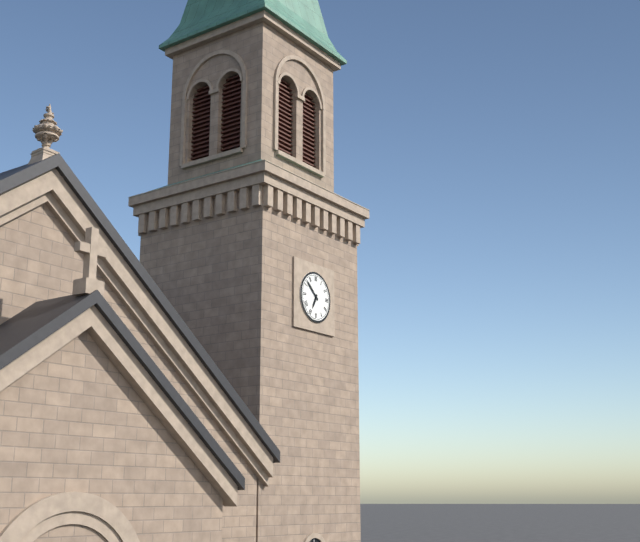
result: **6:52**
